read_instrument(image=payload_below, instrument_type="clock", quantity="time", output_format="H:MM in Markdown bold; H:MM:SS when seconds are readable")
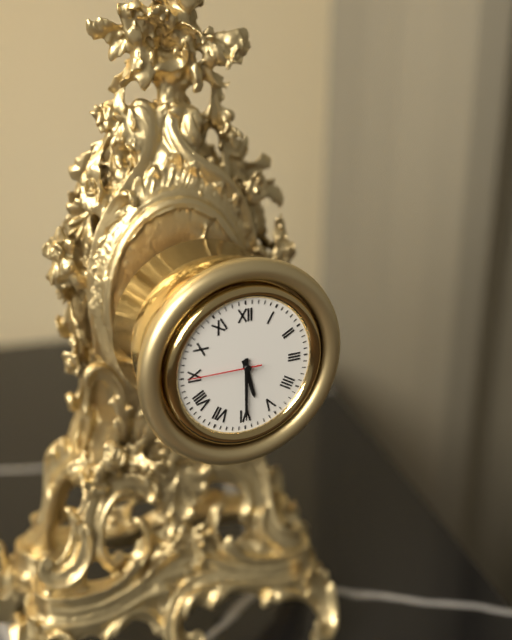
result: **5:30:45**
